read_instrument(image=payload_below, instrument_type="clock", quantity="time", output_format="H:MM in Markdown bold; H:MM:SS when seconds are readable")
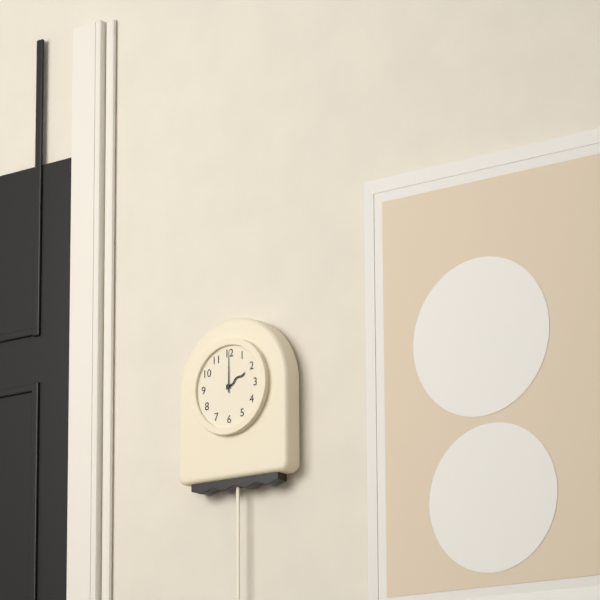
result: **2:00**
